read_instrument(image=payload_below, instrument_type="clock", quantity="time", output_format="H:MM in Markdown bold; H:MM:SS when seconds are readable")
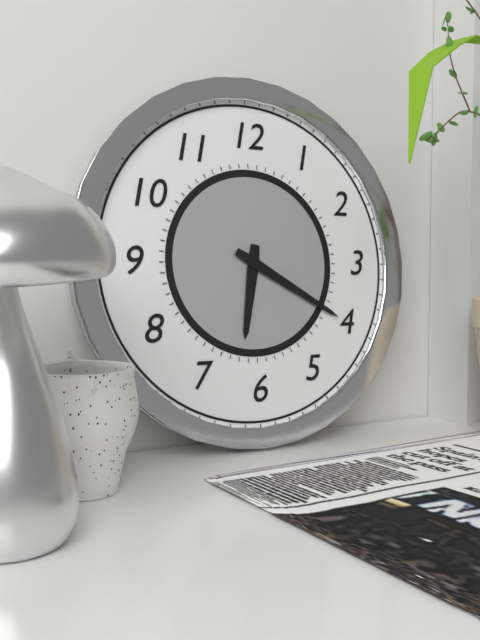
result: **6:20**
